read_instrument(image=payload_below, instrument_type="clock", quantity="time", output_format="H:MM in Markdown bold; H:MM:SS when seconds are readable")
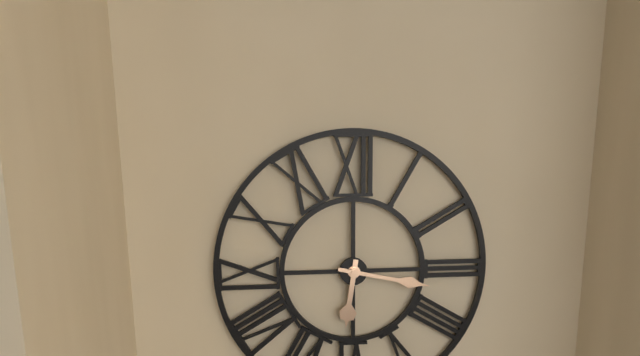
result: **6:17**
